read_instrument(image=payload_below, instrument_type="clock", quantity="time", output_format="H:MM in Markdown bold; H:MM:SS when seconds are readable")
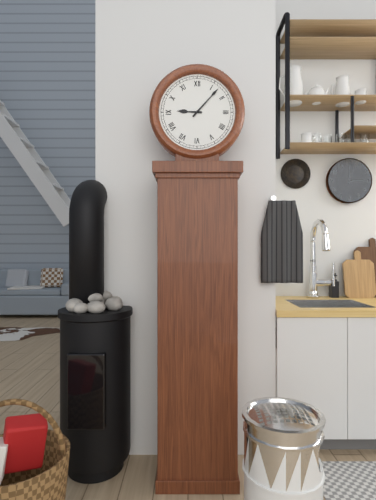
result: **9:07**
